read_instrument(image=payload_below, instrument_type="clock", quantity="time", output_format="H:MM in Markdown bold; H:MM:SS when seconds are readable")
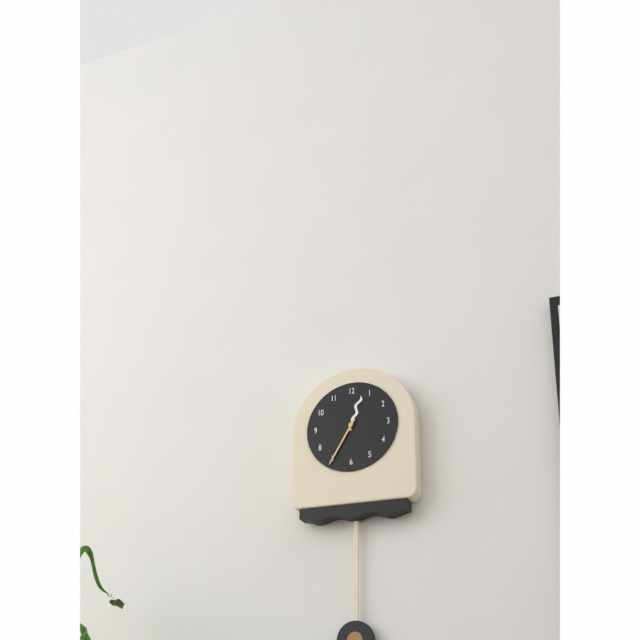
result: **12:35**
